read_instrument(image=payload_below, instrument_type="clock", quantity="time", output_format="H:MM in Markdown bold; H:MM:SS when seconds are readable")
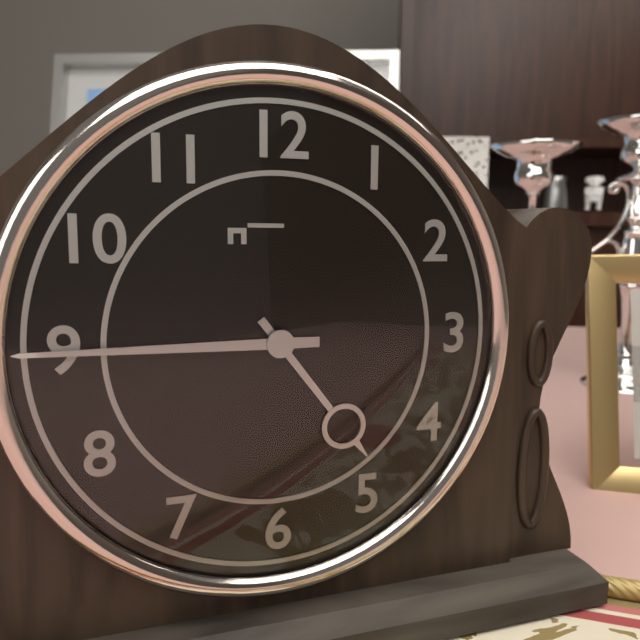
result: **4:45**
